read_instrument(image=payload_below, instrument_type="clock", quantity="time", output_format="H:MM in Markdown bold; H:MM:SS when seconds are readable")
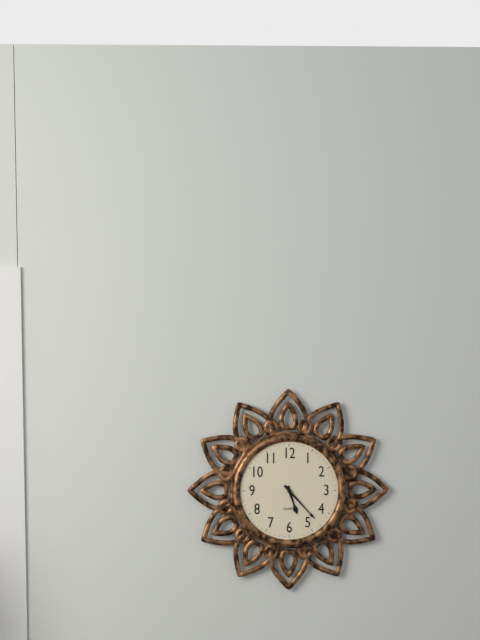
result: **5:23**
